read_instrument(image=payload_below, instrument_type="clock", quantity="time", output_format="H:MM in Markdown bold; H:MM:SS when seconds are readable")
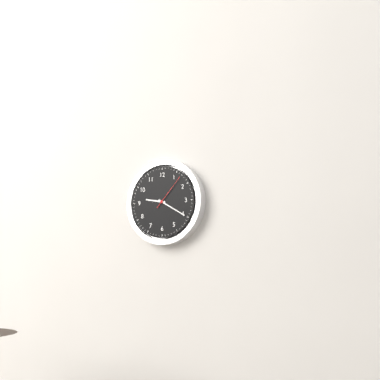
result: **9:20**
